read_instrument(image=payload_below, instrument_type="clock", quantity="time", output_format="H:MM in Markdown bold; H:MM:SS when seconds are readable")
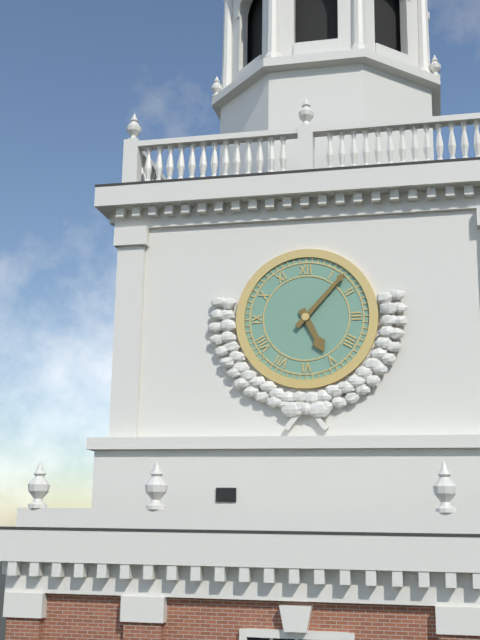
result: **5:07**
